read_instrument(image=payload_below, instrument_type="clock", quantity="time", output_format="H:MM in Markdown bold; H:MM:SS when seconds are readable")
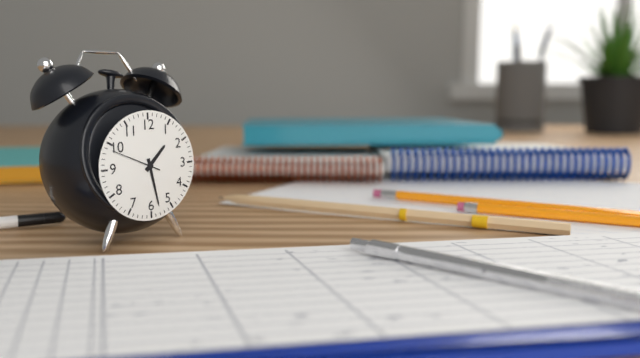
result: **1:28:49**
